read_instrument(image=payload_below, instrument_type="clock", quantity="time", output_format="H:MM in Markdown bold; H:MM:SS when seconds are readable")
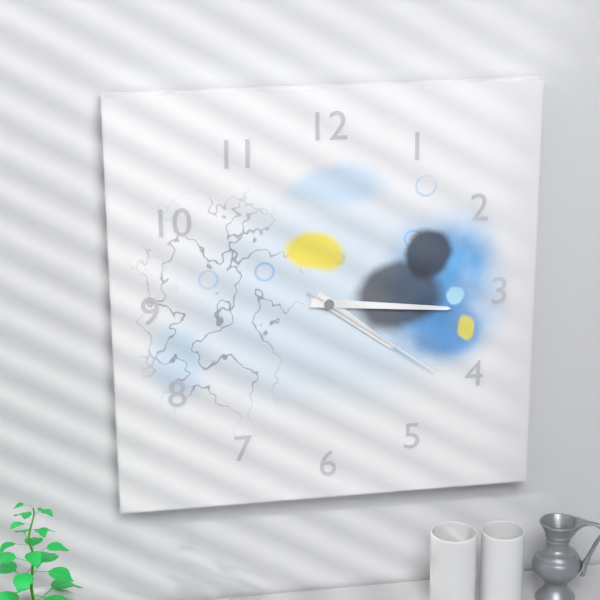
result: **4:16:21**
